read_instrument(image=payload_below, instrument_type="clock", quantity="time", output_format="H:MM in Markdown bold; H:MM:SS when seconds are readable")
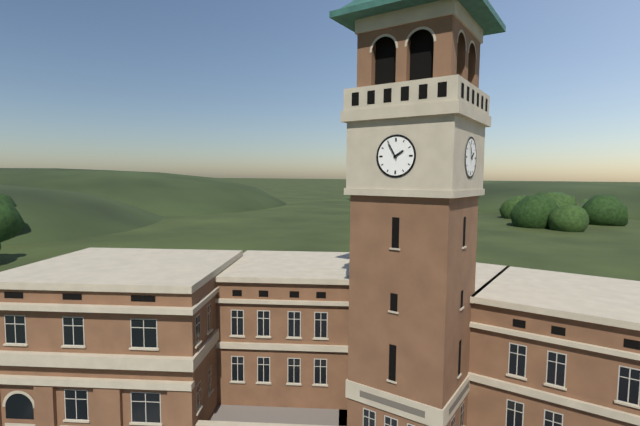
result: **1:55**
